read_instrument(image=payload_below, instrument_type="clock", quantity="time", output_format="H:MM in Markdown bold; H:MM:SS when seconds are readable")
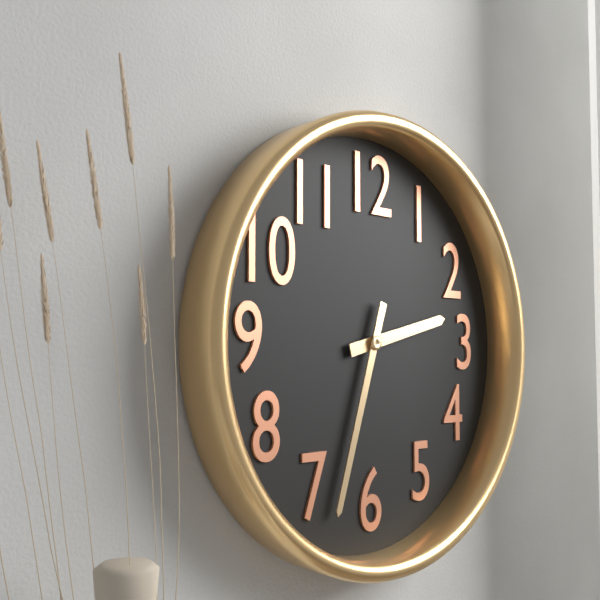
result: **2:33**
